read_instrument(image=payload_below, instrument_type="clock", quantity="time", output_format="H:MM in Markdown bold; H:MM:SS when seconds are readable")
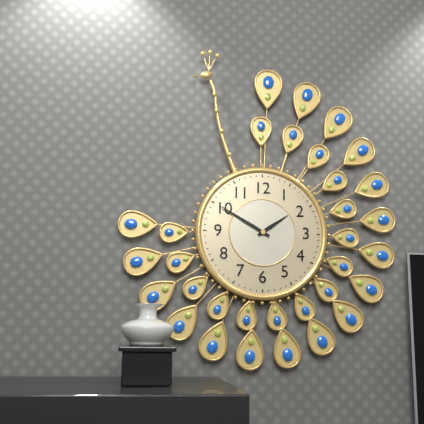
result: **1:50**
